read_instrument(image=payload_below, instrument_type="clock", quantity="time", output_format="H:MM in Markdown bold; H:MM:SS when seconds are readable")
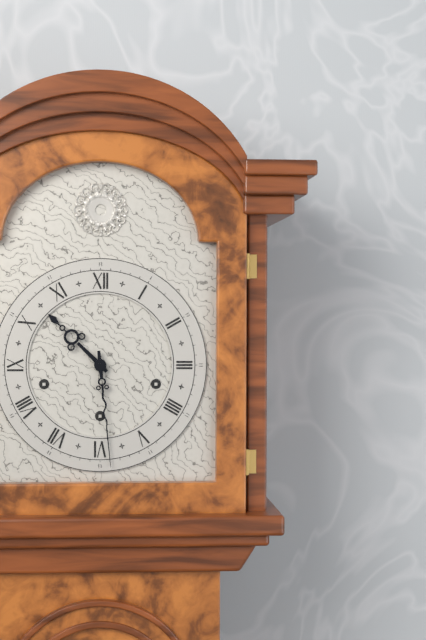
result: **10:29**
